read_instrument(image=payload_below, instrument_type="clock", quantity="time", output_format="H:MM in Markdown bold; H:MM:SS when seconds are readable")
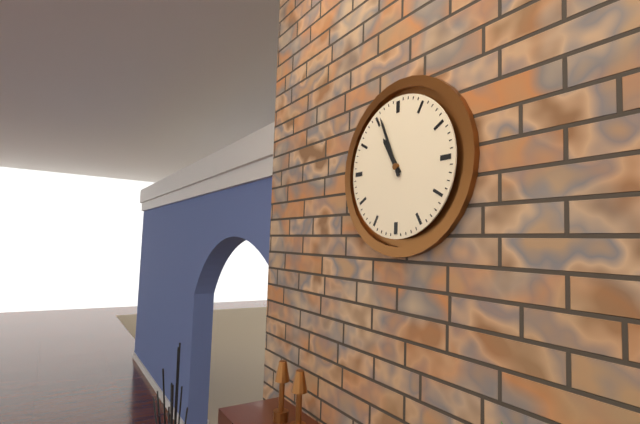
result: **10:56**
